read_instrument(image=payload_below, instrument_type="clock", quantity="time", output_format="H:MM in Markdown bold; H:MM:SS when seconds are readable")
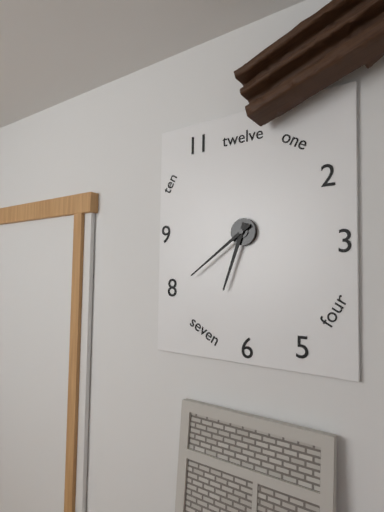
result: **6:39**
